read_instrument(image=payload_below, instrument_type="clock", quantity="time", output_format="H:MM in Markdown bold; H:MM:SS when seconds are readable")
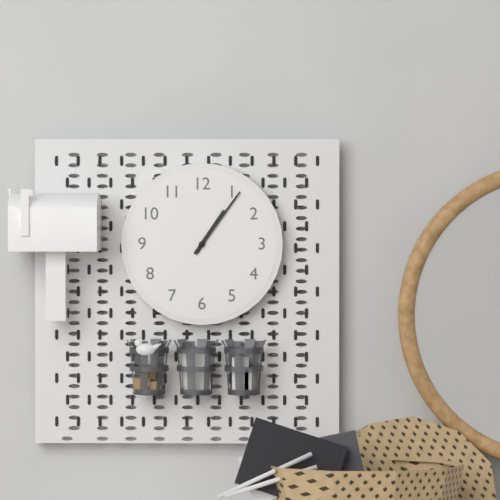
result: **1:06**
